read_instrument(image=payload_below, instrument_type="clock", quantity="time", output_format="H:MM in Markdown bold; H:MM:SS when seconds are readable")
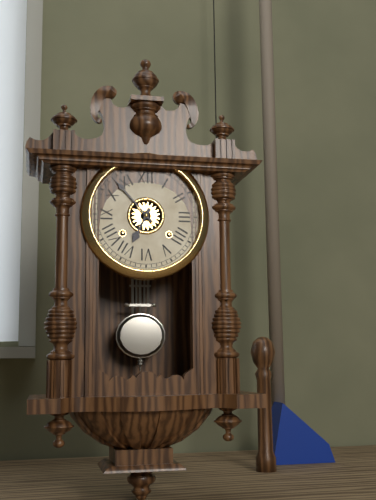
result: **6:53**
